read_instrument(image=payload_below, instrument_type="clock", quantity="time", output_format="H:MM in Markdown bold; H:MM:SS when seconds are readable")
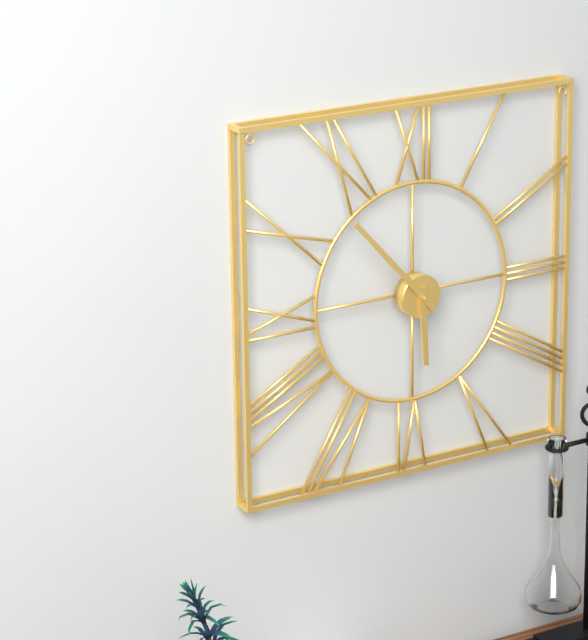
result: **5:53**
